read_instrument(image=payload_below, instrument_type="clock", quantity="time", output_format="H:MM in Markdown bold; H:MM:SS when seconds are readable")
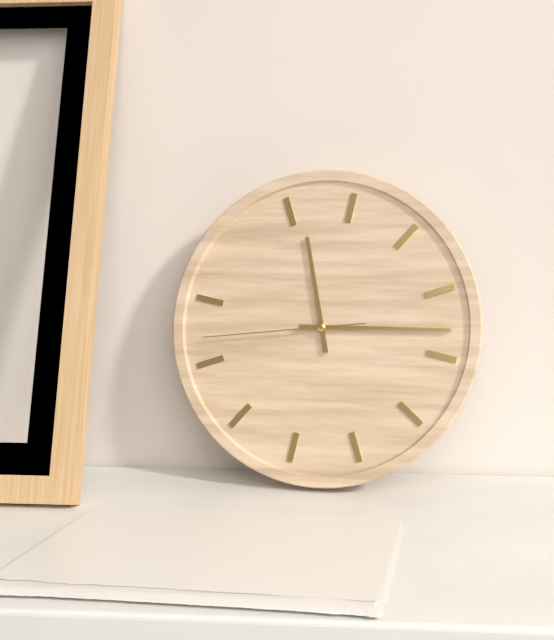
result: **11:13:42**
